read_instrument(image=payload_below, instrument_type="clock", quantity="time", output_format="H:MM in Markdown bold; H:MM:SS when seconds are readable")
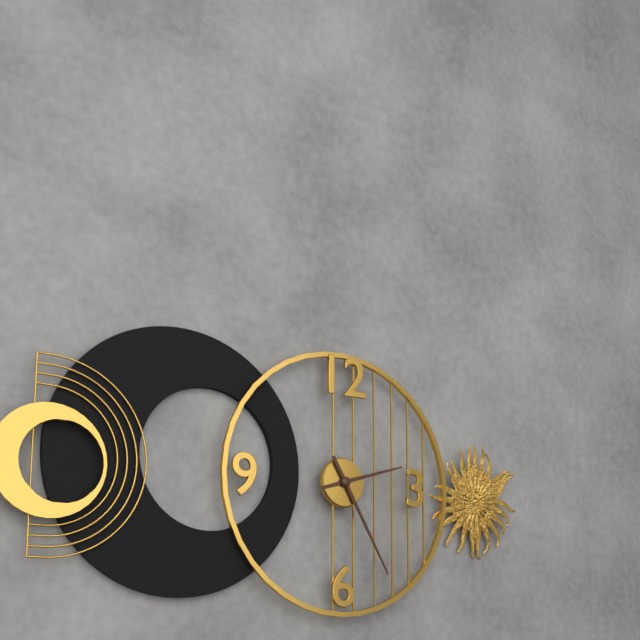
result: **2:25**
